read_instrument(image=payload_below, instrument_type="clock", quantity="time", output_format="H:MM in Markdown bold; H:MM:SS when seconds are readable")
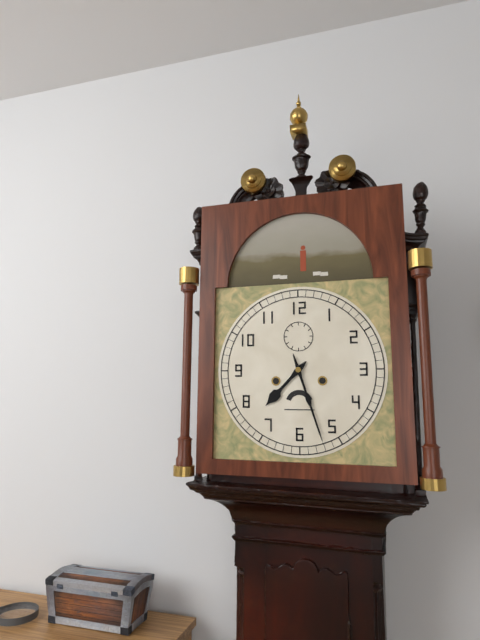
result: **7:27**
